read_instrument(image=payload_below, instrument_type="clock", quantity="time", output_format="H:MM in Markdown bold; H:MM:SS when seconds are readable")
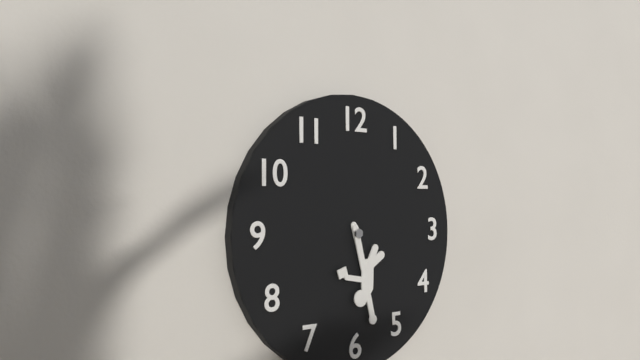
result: **5:27**
